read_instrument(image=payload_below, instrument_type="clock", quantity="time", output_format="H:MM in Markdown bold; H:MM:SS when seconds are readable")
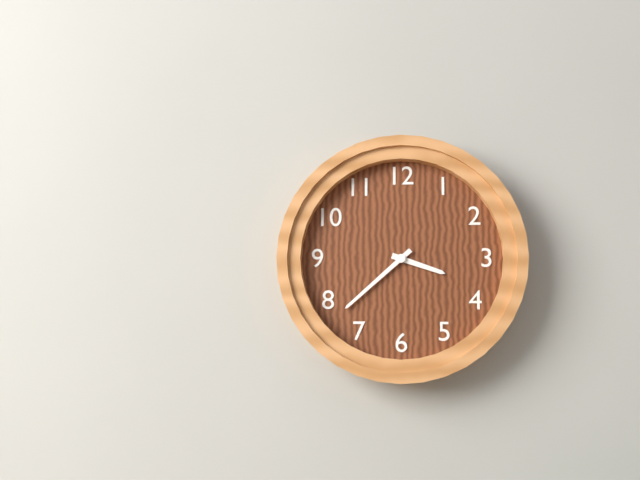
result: **3:38**
